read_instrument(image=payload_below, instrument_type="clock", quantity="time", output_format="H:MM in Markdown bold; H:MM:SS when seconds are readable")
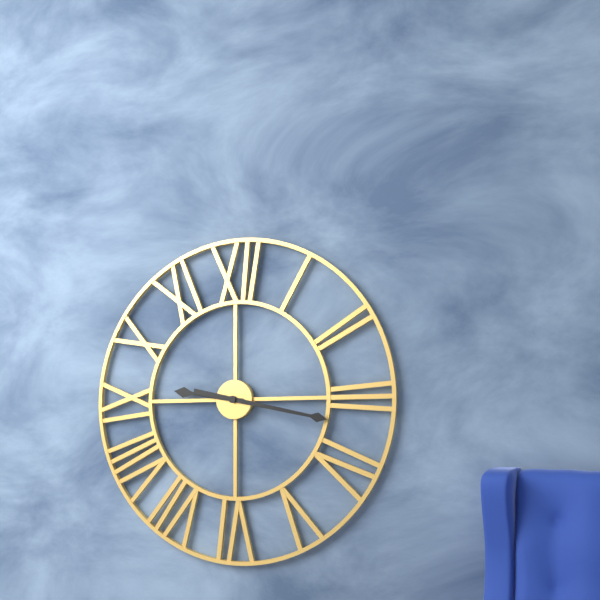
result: **9:17**
